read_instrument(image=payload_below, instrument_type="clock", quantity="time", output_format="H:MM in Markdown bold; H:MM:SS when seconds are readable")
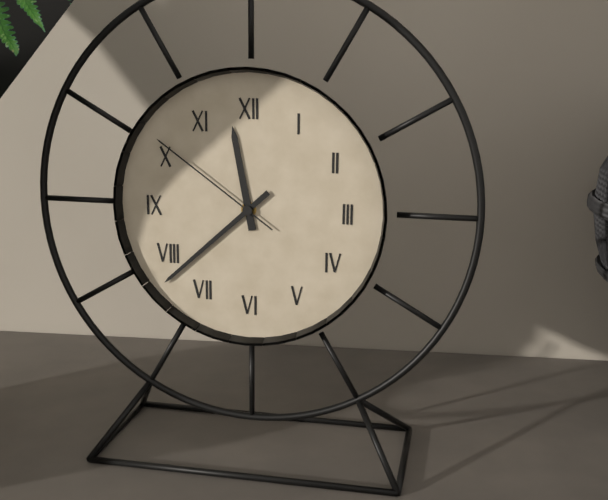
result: **11:38:51**
